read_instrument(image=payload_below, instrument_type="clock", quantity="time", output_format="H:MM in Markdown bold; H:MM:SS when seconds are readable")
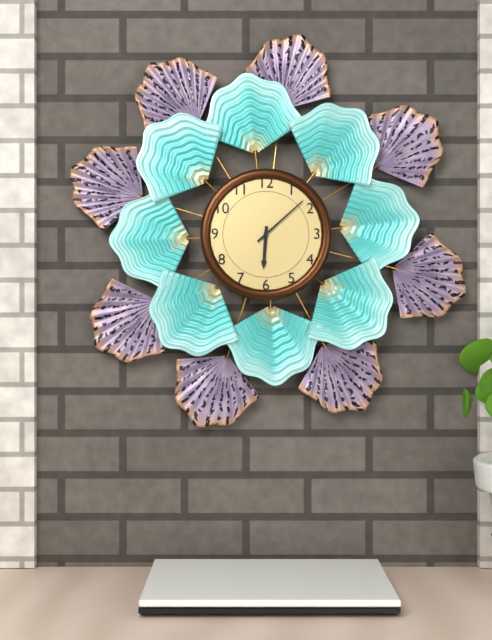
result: **6:08**
